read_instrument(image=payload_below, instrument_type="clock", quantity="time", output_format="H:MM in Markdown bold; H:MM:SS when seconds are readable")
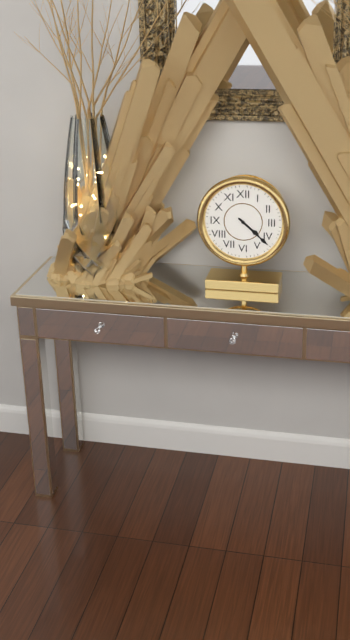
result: **4:22**
